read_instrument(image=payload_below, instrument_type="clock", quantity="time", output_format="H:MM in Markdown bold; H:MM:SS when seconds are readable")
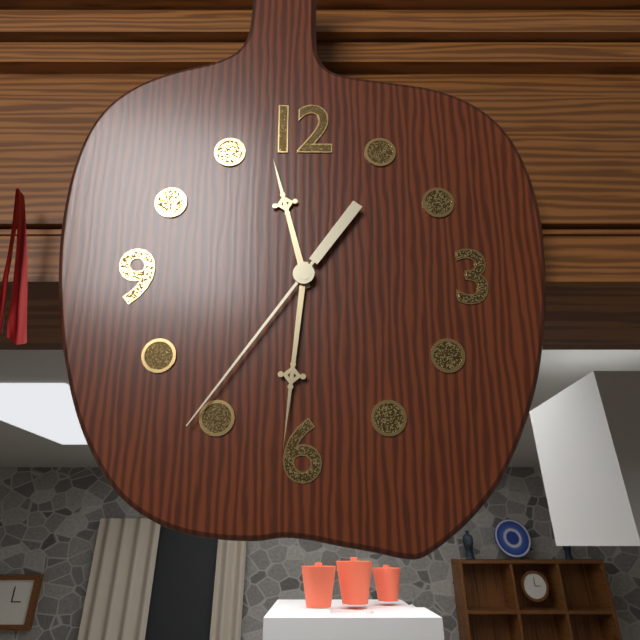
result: **11:31:36**
